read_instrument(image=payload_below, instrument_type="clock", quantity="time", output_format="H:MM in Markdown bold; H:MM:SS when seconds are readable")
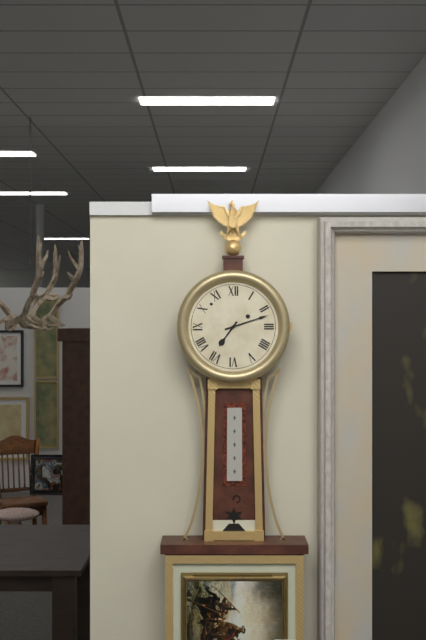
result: **7:12**
